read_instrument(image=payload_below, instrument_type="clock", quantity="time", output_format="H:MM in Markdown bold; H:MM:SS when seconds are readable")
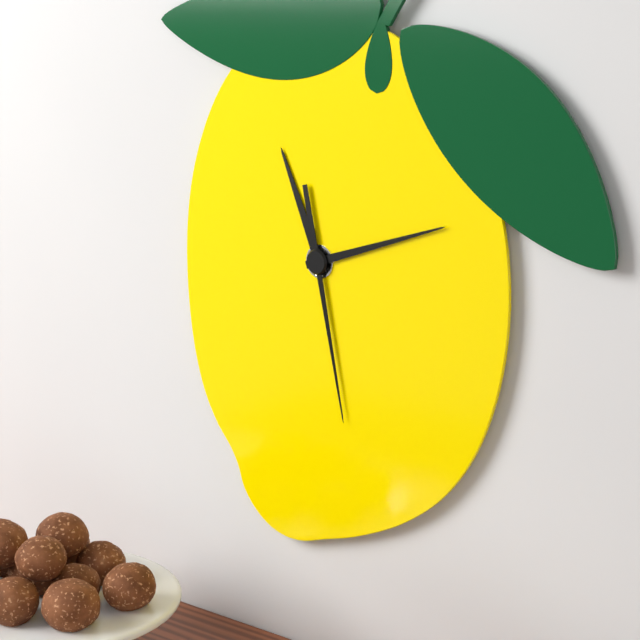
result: **11:12:28**
